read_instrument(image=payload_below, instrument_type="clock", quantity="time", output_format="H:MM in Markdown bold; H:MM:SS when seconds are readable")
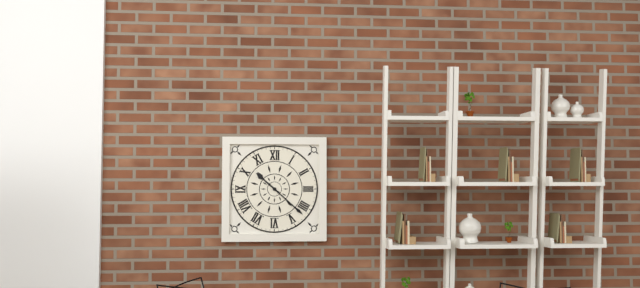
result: **10:22**
